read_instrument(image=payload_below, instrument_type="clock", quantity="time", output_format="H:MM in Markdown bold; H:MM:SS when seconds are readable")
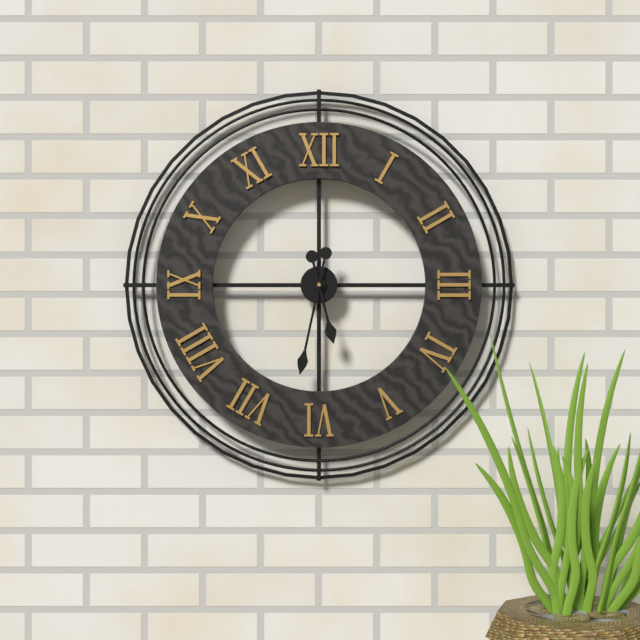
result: **5:32**
